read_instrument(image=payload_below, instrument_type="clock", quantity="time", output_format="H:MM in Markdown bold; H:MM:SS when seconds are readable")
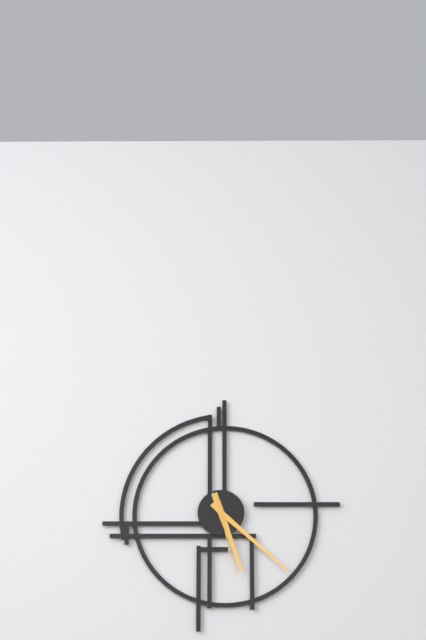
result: **5:22:28**
